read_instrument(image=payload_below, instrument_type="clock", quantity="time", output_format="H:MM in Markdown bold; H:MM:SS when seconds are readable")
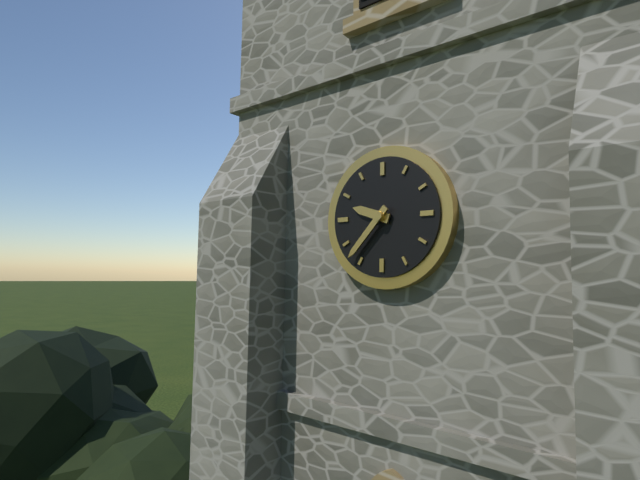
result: **9:37**
